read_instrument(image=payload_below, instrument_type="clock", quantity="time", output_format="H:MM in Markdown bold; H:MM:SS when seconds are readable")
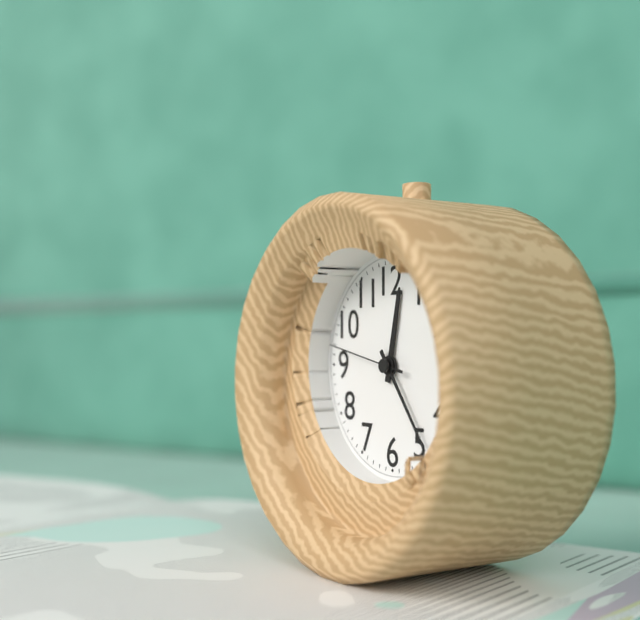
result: **12:24:47**
